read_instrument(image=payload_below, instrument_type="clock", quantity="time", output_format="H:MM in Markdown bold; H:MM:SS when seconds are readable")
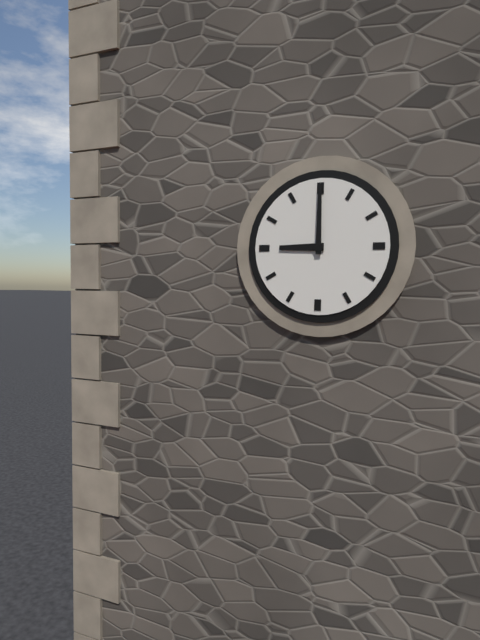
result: **9:00**
